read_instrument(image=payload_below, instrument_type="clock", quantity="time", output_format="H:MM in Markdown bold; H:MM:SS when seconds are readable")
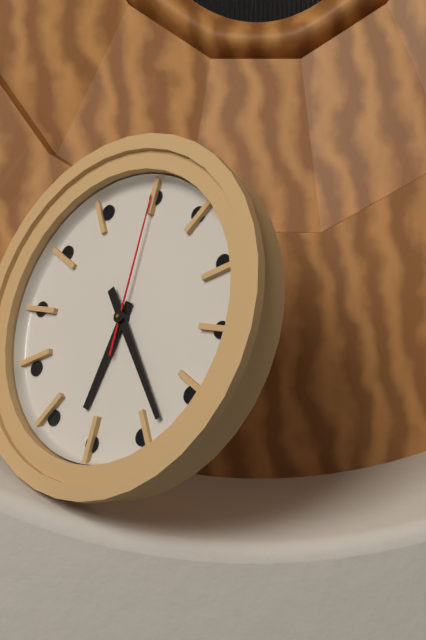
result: **6:23:00**
